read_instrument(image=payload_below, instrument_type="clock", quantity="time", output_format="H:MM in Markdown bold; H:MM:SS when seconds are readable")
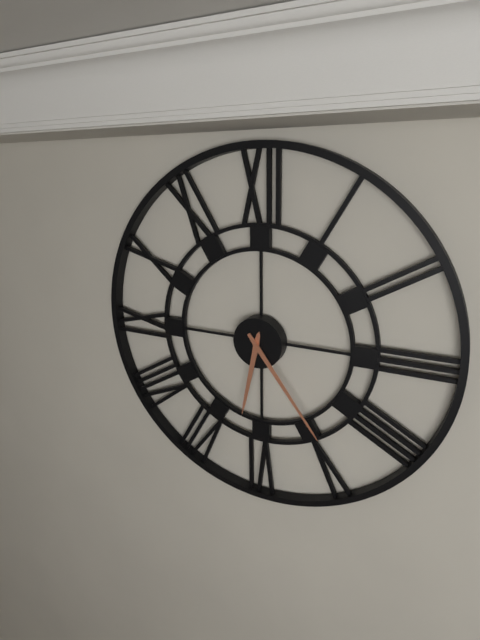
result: **6:24**
